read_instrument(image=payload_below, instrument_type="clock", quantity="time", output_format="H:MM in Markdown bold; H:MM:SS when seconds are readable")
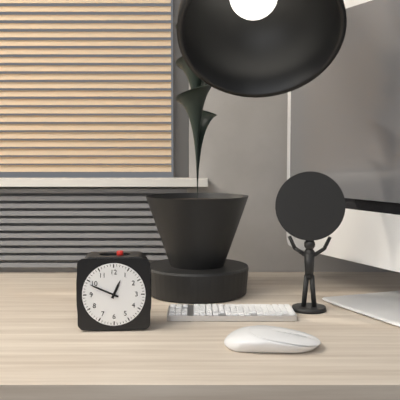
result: **12:49**
